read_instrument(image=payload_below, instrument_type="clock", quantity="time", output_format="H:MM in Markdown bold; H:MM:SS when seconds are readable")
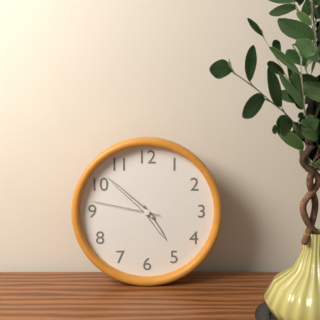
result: **4:52:47**
